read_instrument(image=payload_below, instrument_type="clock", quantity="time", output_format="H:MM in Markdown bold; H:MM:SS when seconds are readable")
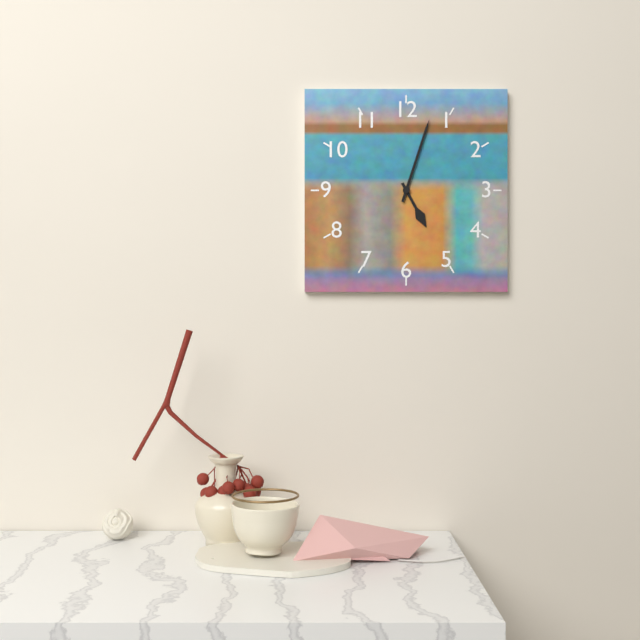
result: **5:03**
